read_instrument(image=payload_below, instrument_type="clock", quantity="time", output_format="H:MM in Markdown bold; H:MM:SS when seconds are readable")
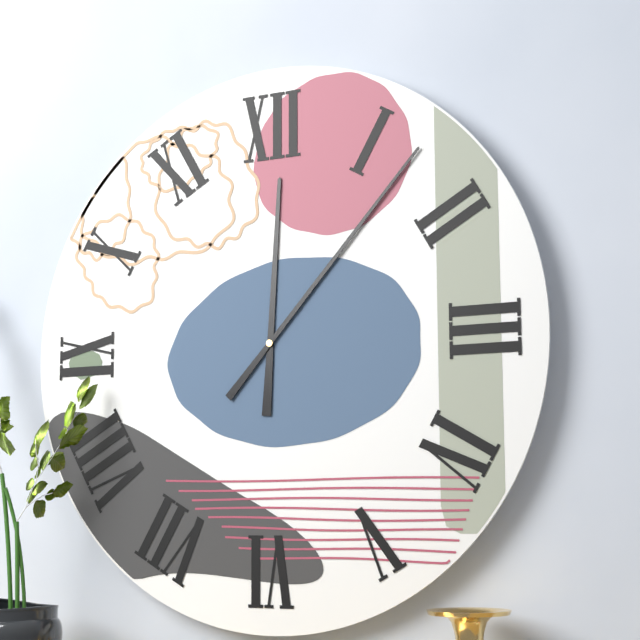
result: **12:07**
